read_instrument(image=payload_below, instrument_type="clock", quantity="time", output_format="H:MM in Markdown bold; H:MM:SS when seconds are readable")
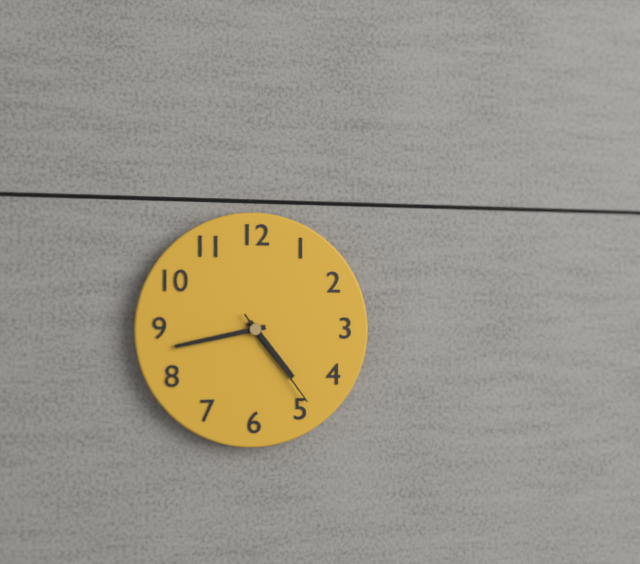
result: **4:43:24**
